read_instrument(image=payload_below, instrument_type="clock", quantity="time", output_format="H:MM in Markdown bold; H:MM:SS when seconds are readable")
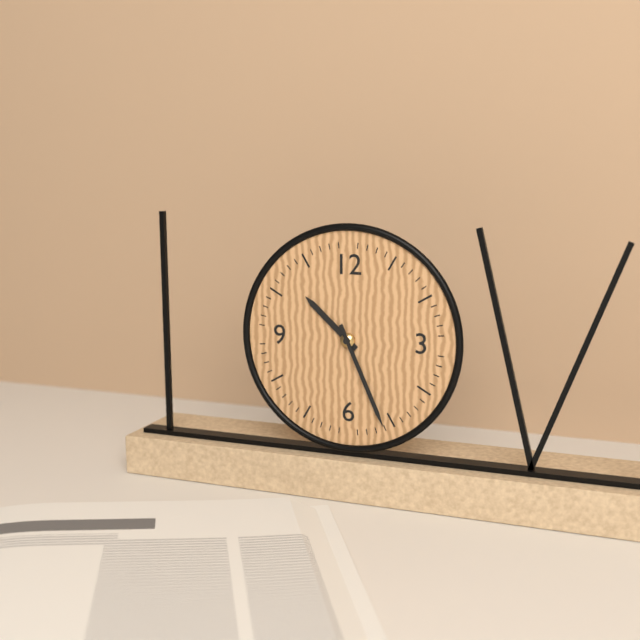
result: **10:26**
